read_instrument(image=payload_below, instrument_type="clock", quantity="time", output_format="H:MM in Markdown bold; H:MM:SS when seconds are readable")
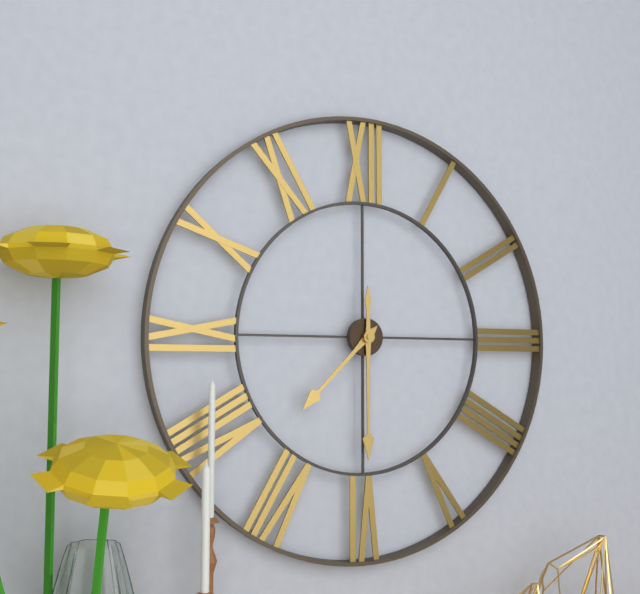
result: **7:30**
